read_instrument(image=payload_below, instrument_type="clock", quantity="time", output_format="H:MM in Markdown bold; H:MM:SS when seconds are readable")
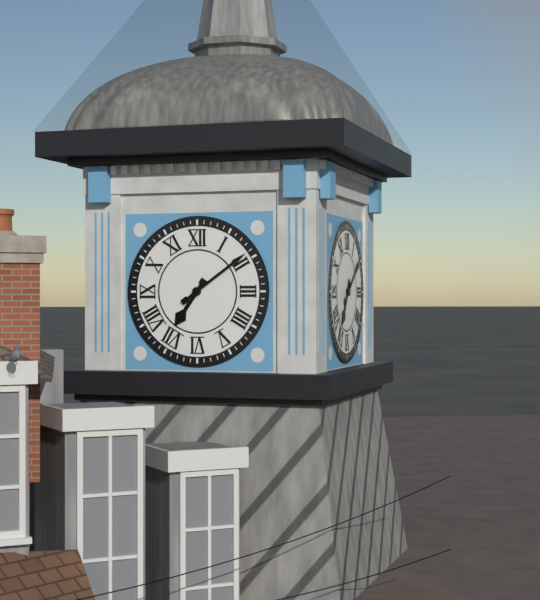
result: **7:09**
